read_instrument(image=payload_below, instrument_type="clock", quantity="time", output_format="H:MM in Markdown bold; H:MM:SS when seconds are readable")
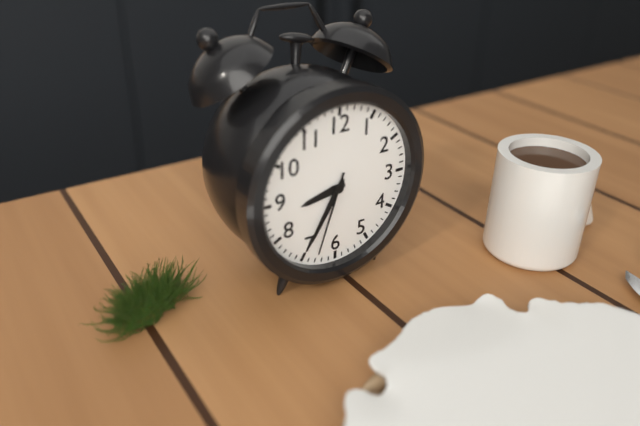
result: **8:35:33**
